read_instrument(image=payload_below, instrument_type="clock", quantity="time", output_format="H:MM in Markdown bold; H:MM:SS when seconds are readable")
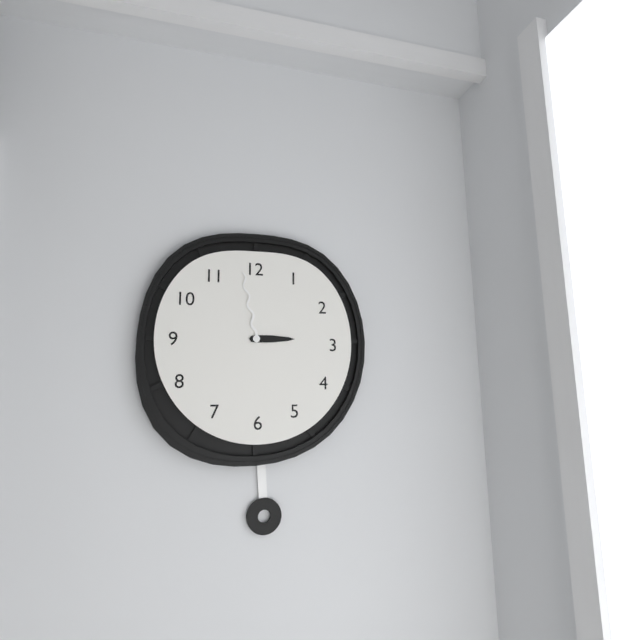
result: **2:58**
